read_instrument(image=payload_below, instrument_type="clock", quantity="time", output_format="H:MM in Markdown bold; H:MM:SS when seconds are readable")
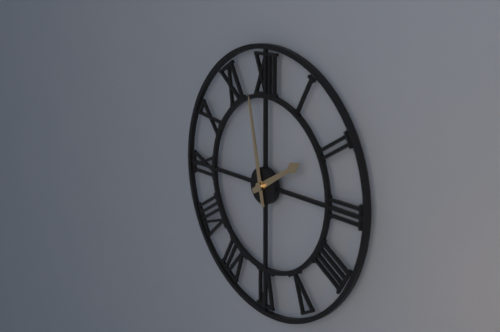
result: **1:58**
